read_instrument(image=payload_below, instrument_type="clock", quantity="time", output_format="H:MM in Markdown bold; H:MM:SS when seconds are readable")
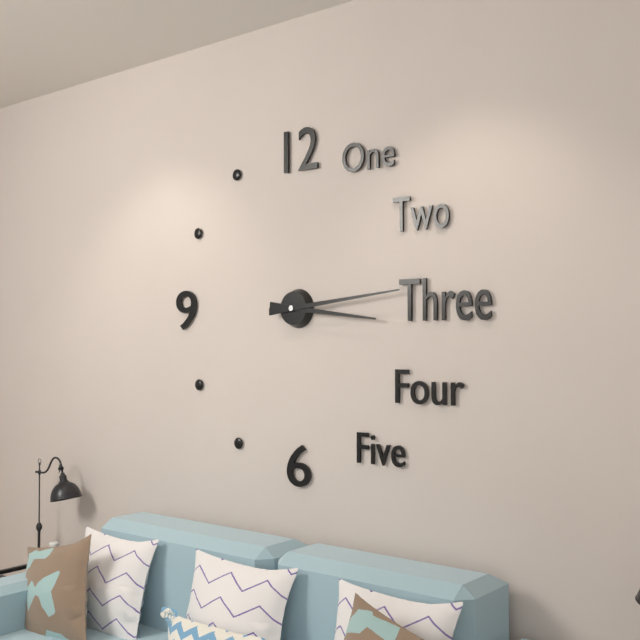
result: **3:14**
